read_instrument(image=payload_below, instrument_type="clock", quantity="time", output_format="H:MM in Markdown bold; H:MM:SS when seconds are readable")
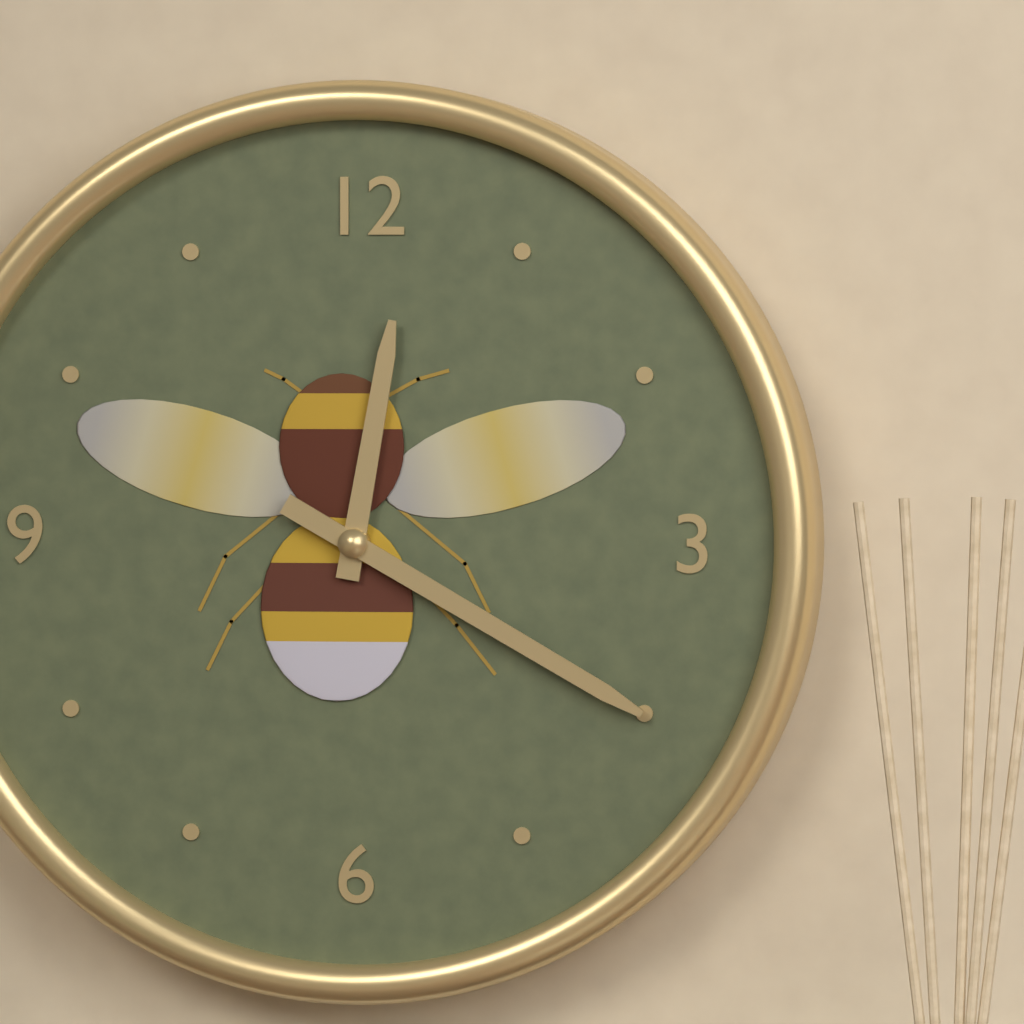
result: **12:20**
